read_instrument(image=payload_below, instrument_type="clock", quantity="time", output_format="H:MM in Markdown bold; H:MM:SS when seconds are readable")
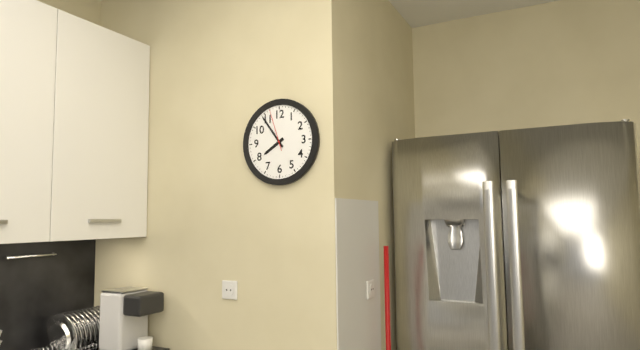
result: **7:54**
